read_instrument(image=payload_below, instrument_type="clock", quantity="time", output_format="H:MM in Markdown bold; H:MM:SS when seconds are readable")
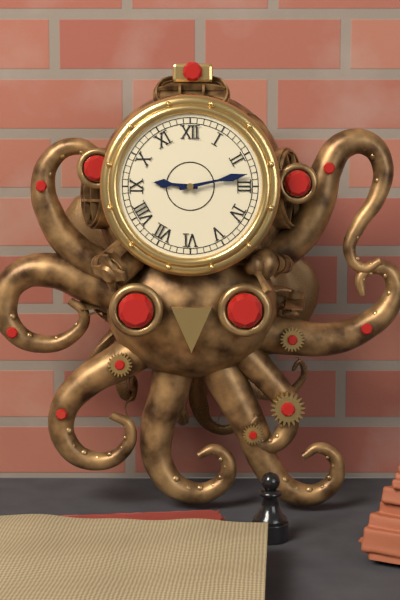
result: **9:13**
